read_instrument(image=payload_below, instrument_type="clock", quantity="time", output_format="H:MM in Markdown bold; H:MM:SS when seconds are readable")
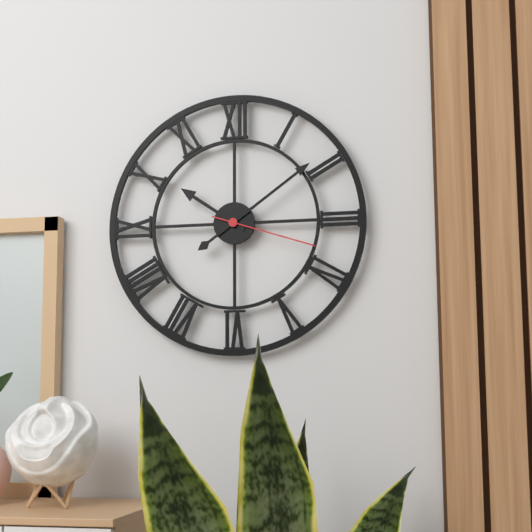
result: **10:09:18**
